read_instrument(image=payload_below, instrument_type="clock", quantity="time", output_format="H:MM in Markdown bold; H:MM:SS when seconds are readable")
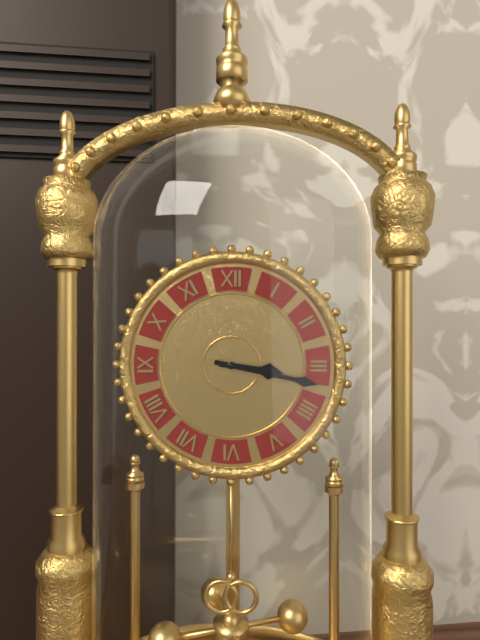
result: **3:17**
